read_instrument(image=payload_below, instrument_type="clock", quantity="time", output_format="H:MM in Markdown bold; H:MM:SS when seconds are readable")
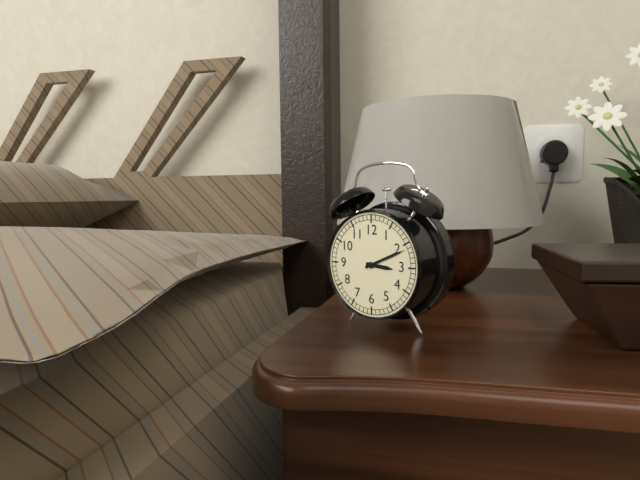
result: **3:11**
